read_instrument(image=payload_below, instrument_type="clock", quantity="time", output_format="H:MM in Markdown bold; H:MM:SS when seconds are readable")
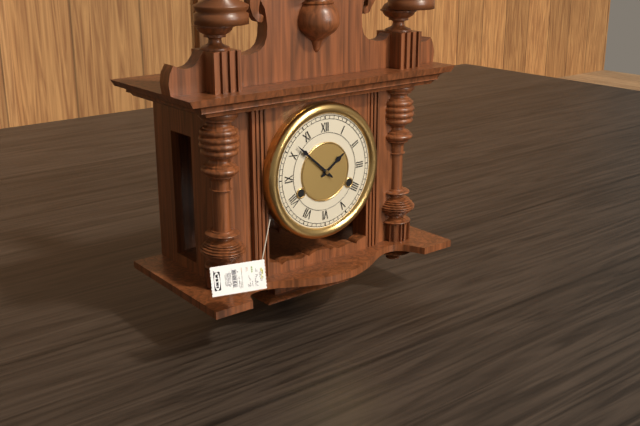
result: **1:52**
